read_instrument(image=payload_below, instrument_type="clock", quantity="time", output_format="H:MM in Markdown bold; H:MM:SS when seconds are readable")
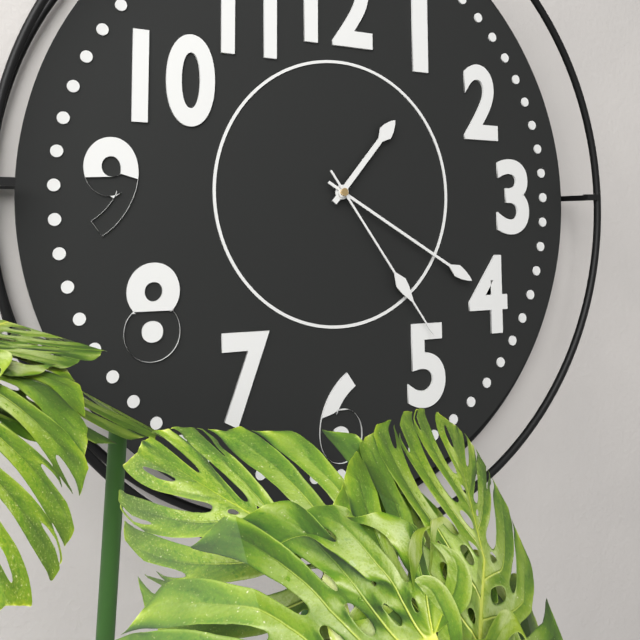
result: **1:20:24**
